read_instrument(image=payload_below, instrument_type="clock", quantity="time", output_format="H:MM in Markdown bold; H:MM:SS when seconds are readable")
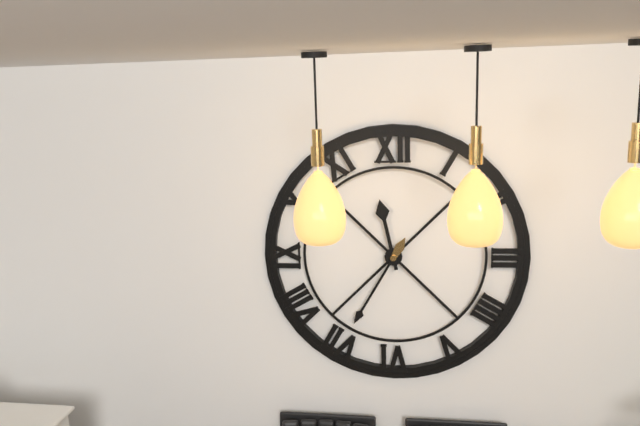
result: **11:35**
